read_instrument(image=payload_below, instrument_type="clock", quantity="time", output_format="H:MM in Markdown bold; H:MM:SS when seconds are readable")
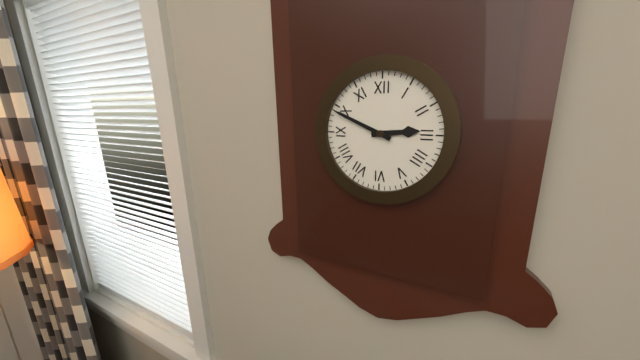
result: **2:49**
